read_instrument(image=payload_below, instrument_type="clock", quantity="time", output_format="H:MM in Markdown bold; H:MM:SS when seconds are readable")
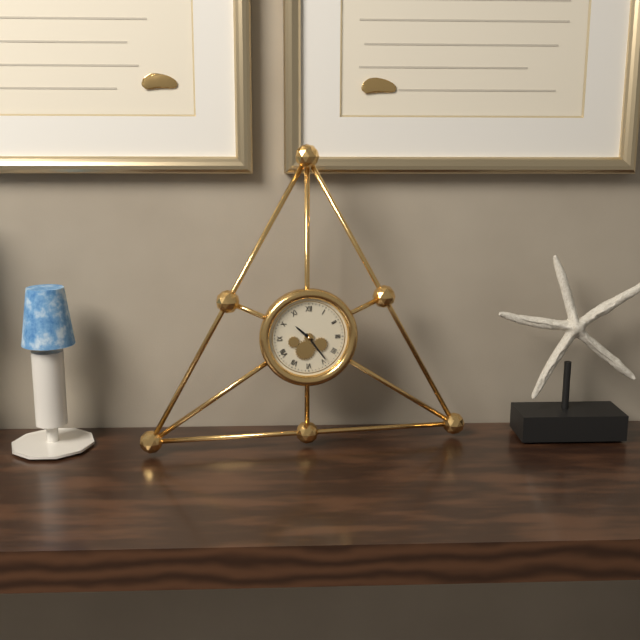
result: **10:24**
